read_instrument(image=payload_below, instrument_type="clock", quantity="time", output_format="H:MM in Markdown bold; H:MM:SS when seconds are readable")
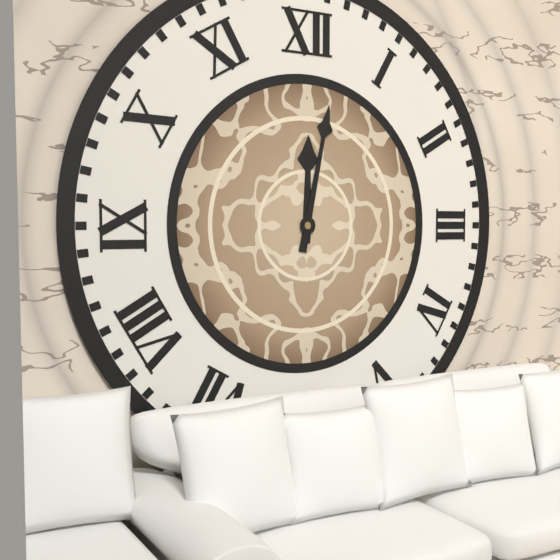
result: **12:02**
